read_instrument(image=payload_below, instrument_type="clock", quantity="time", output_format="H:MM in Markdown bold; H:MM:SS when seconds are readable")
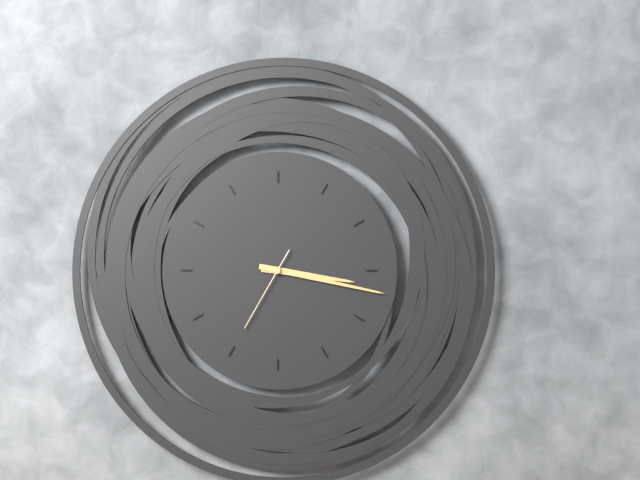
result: **3:17:35**
